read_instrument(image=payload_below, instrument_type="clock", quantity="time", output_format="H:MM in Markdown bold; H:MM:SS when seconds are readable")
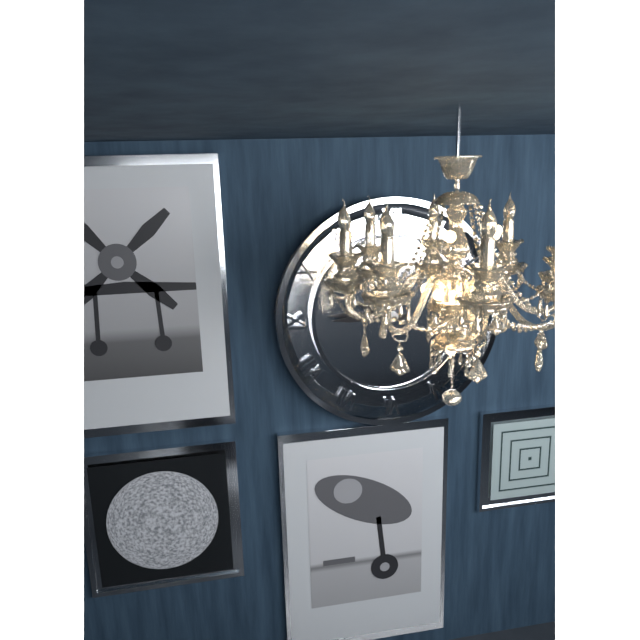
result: **9:45**
